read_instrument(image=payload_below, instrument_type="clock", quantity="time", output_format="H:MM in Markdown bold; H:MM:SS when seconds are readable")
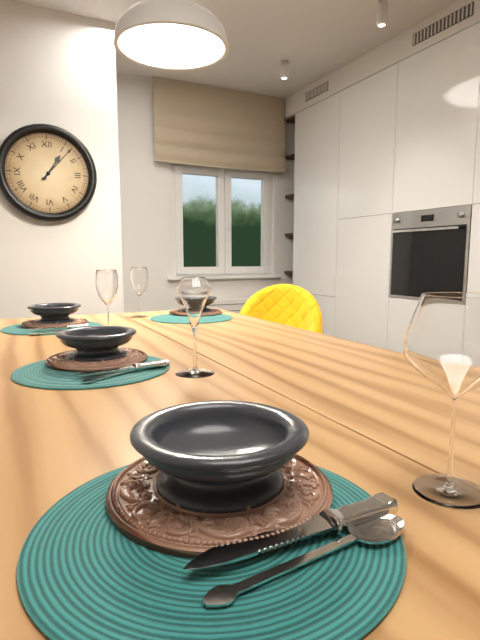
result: **1:07**
